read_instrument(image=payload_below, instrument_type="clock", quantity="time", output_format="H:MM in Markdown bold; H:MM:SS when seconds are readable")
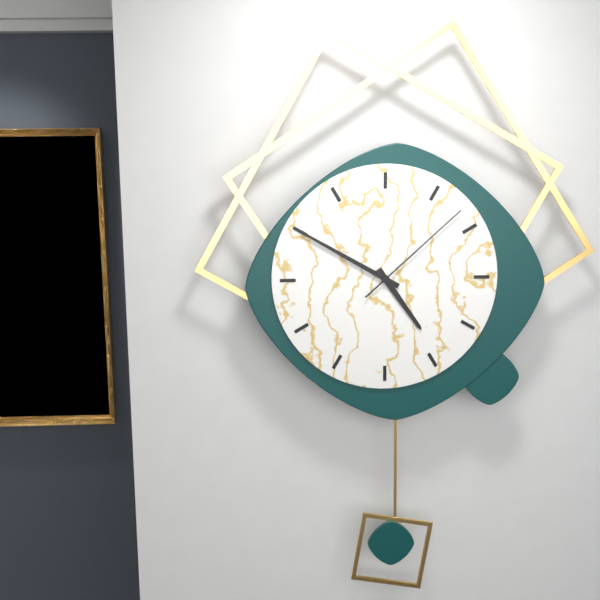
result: **4:50:08**
